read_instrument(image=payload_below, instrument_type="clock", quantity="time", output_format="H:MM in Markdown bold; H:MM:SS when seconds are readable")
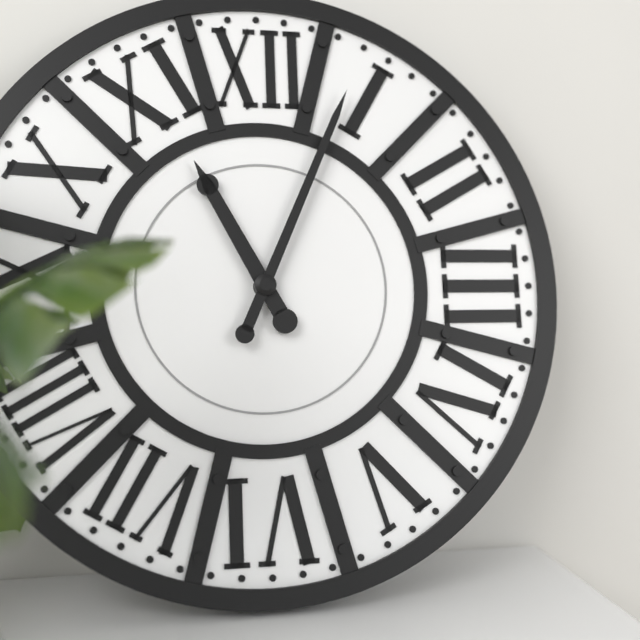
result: **11:04**
